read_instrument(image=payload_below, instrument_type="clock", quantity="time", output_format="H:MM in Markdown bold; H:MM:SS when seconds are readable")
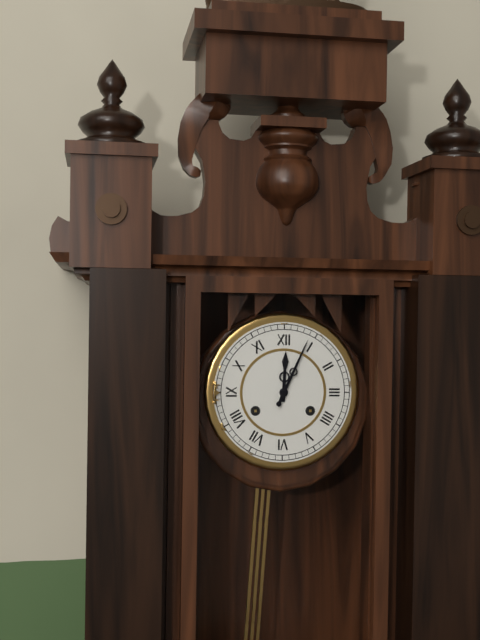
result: **12:04**
